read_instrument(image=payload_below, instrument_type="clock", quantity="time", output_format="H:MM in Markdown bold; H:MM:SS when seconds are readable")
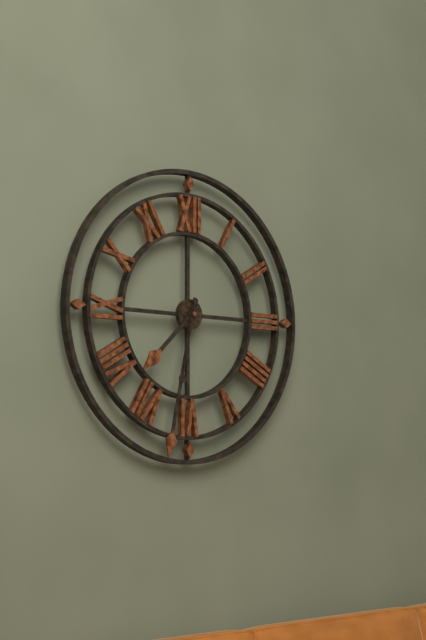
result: **7:32:32**
